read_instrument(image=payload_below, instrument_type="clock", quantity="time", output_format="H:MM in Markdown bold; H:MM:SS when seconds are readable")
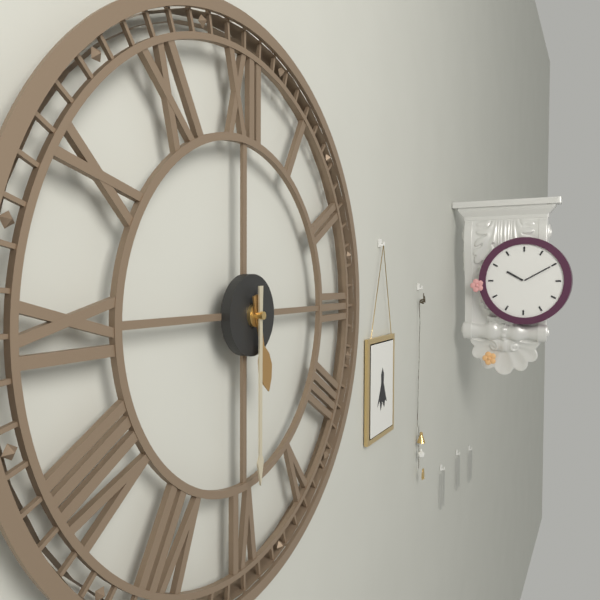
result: **5:30**
